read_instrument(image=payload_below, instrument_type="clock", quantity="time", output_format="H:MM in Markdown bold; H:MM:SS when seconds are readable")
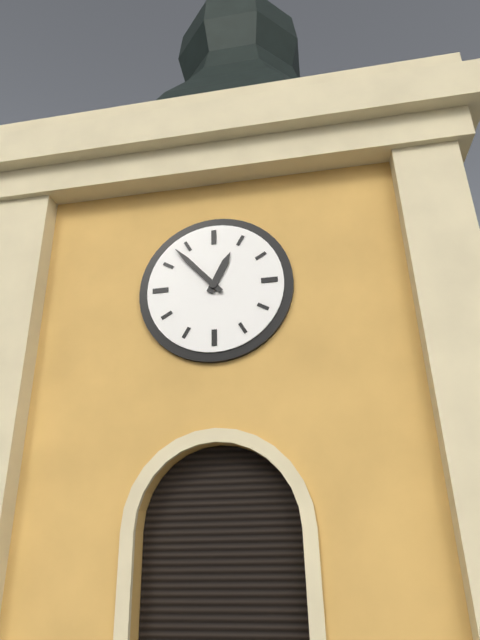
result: **12:53**
